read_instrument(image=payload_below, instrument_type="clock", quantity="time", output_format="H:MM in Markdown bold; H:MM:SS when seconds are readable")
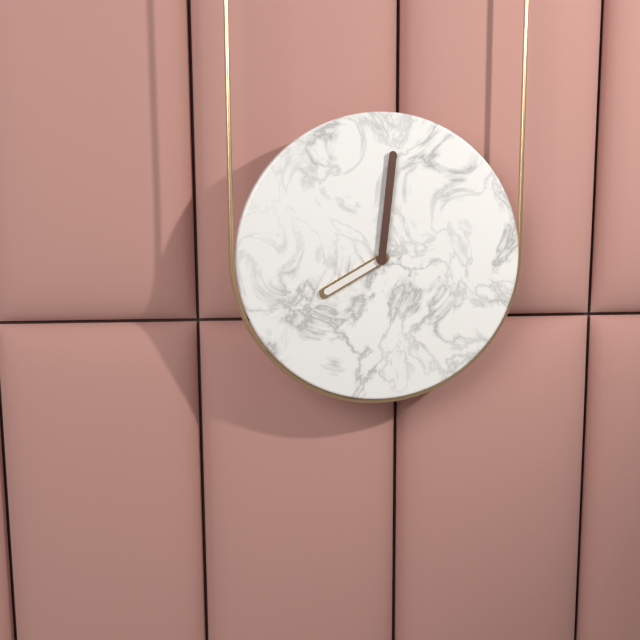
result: **8:01**
